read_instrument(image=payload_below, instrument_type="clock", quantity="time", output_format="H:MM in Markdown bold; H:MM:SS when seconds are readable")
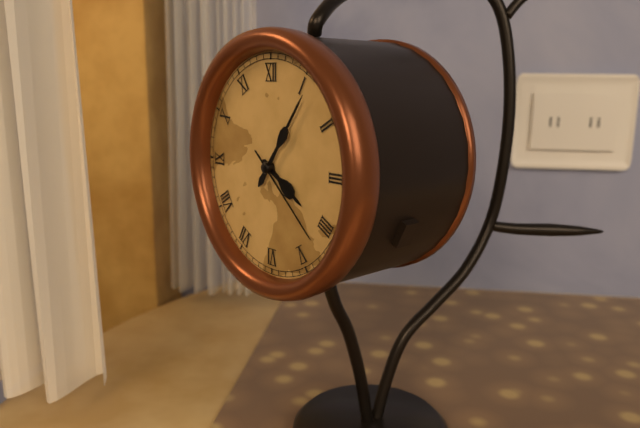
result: **4:06:22**
